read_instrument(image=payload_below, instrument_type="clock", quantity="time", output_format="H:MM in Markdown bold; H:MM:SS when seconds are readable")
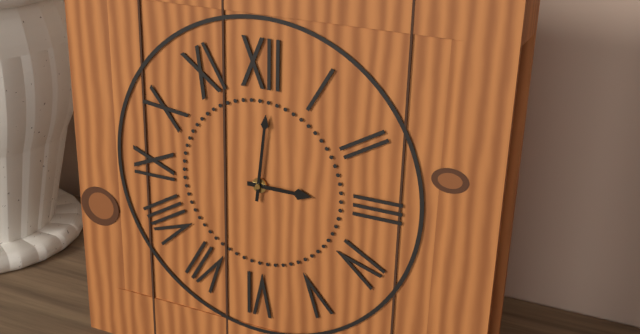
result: **3:01**
